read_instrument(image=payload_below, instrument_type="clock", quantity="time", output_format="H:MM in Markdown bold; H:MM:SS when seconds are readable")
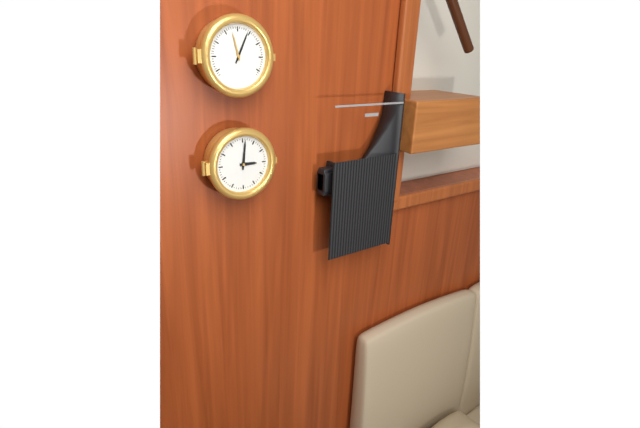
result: **3:01**
